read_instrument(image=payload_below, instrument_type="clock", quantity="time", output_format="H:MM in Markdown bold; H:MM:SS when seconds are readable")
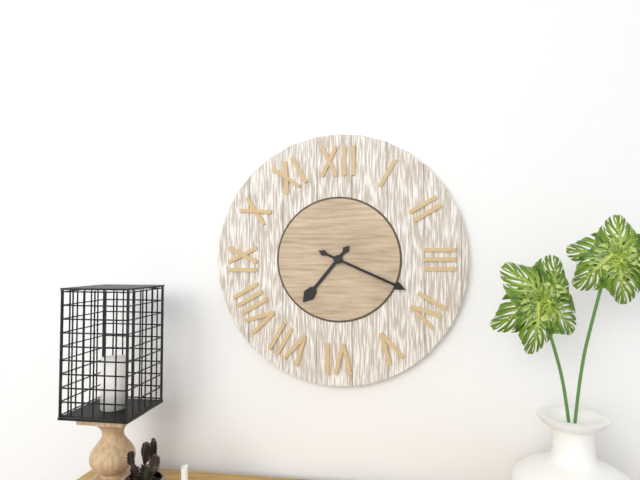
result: **7:19**
